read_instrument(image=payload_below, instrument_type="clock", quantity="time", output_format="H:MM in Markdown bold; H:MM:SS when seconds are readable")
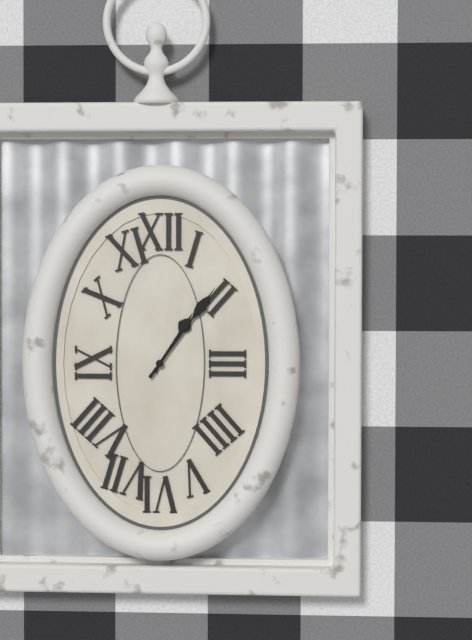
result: **1:06**
